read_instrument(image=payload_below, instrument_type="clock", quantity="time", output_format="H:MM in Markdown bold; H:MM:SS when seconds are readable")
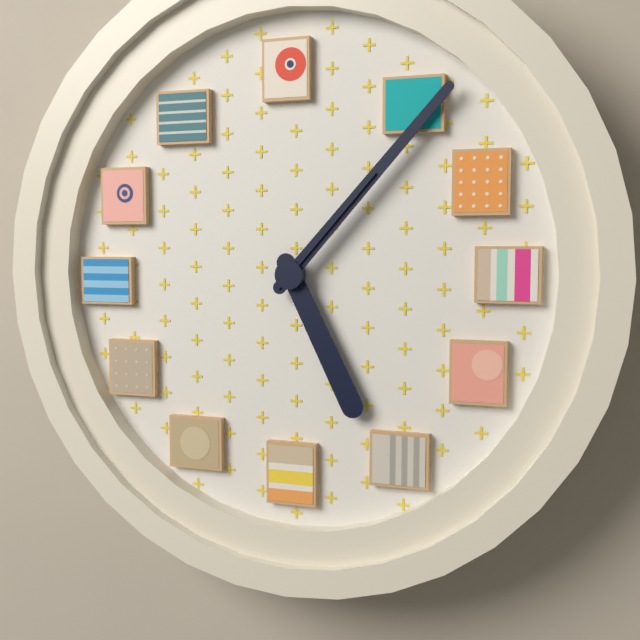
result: **5:07:07**
